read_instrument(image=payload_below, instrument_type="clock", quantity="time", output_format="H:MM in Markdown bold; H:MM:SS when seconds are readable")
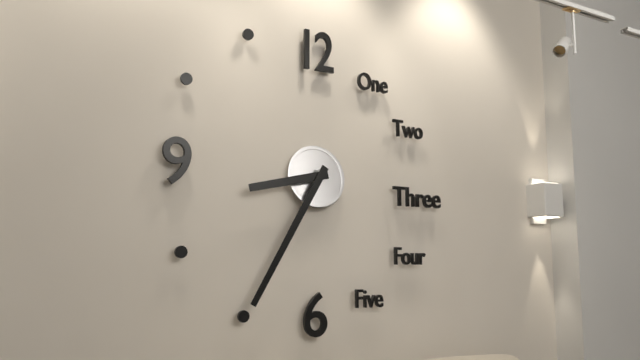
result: **8:35**
